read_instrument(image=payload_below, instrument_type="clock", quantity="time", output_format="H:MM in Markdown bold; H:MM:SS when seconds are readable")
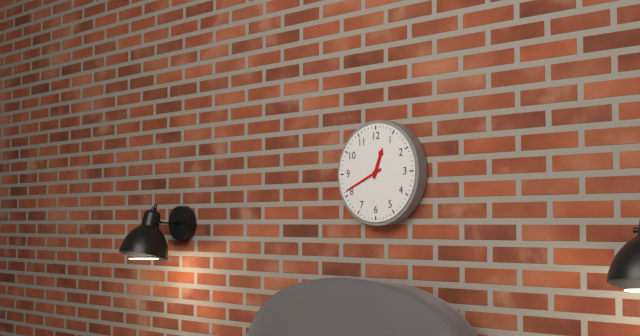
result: **12:41**
